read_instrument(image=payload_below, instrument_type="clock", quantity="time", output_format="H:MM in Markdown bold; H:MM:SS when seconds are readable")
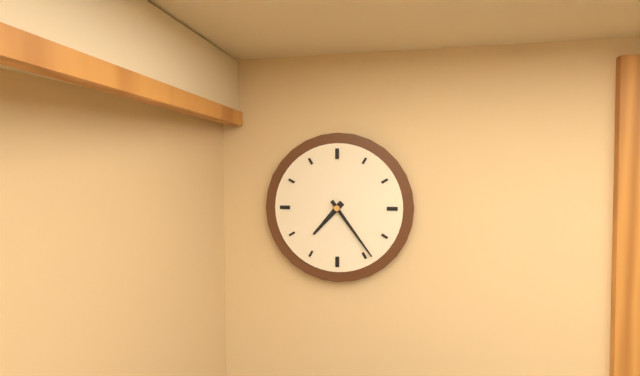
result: **7:24**
